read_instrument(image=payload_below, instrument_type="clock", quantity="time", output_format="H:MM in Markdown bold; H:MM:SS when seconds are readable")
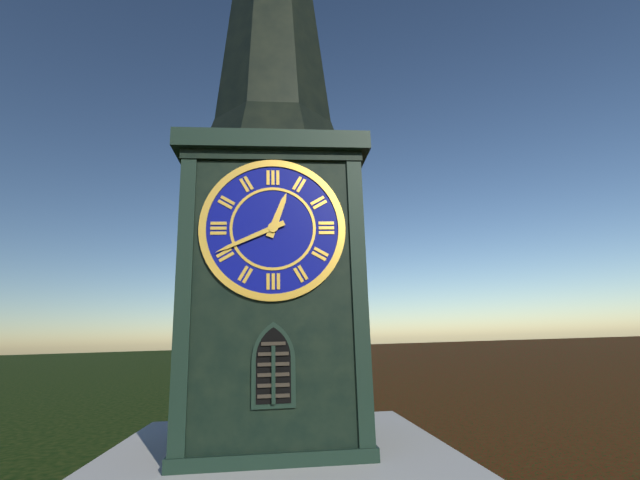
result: **12:41**
